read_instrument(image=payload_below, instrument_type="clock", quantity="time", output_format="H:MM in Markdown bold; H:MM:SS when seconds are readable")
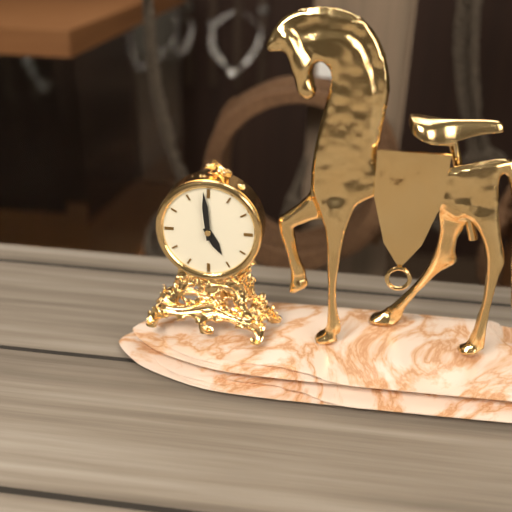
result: **4:59**
